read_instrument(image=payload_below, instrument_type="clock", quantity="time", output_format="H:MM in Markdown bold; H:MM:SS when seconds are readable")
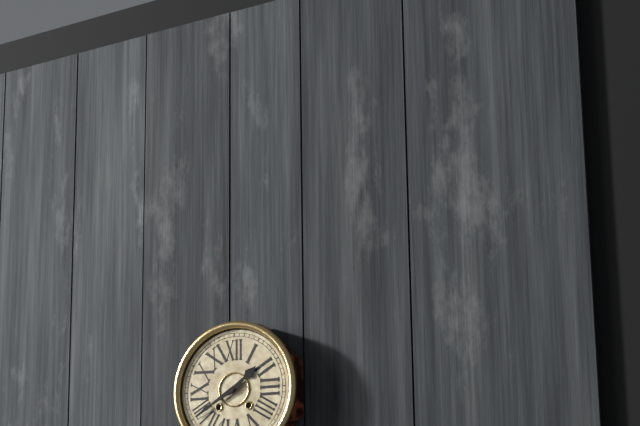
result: **1:40**
